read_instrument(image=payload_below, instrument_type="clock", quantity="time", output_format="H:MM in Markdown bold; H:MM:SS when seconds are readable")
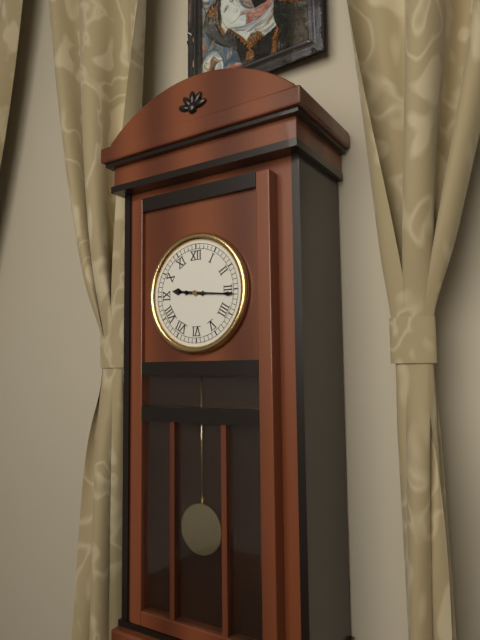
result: **9:16**
